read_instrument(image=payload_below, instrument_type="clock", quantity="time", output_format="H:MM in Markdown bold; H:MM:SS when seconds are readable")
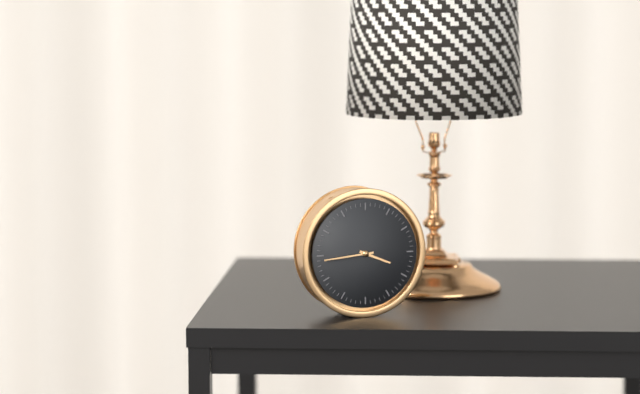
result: **3:44**
